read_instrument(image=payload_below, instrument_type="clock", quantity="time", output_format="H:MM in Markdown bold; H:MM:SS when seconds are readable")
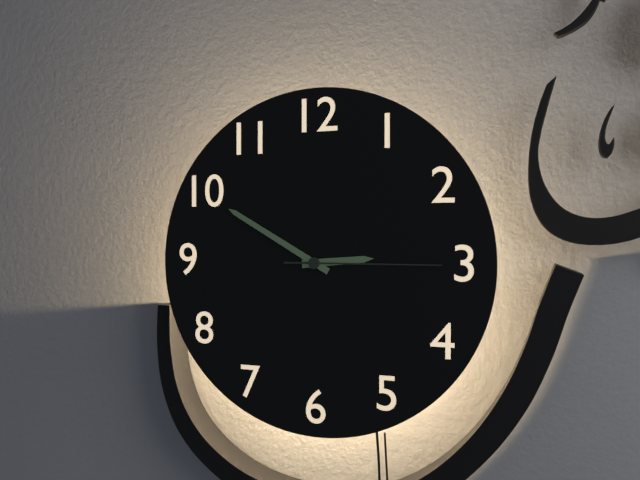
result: **2:50:15**
